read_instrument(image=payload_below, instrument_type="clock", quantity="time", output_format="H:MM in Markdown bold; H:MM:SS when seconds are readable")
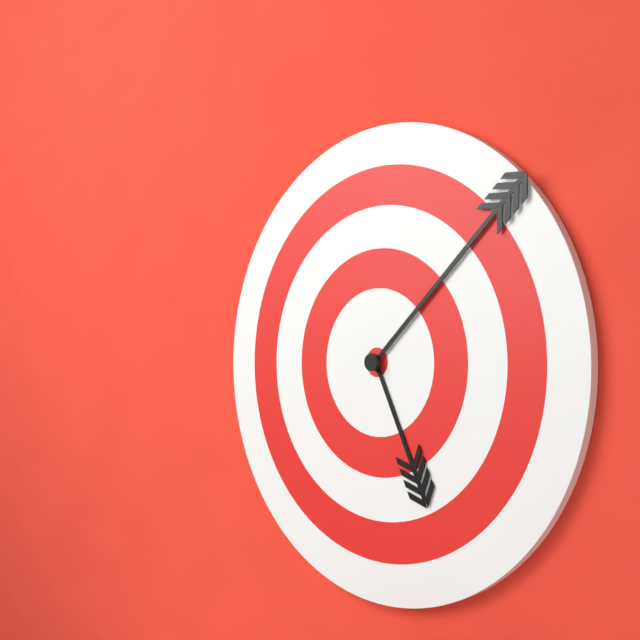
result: **5:08**
